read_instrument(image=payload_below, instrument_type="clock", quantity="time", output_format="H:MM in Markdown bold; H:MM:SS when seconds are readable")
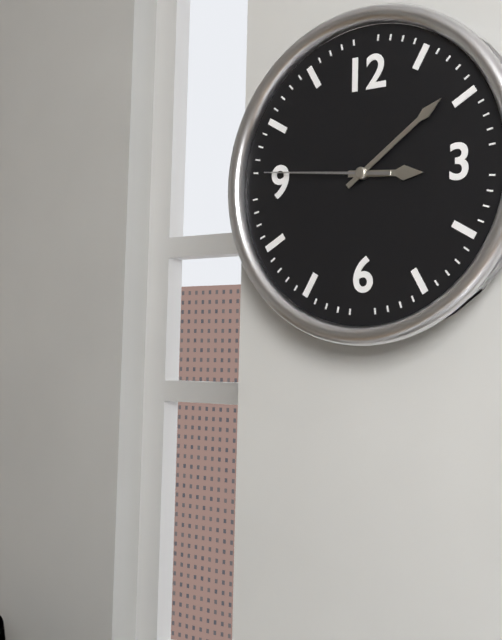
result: **3:09:46**
